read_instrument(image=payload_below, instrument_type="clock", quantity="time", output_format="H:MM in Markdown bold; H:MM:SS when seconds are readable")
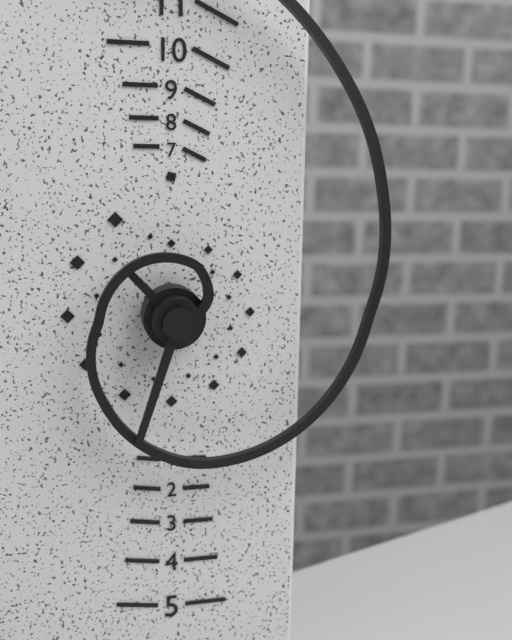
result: **10:33**
